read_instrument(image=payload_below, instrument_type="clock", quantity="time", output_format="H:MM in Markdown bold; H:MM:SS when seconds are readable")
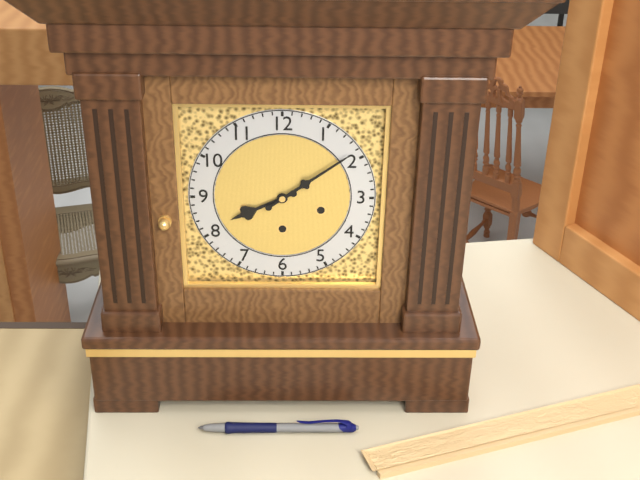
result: **8:09**
